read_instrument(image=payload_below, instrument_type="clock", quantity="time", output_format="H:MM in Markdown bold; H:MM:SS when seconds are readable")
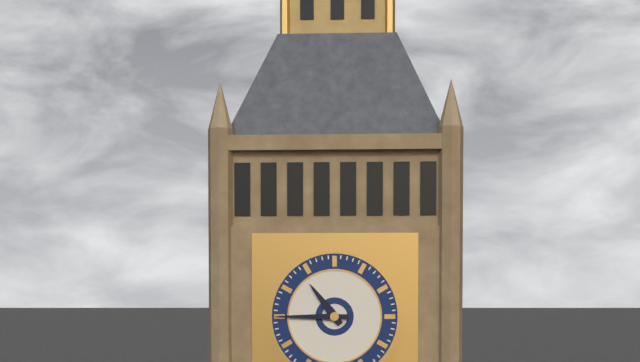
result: **10:45**
